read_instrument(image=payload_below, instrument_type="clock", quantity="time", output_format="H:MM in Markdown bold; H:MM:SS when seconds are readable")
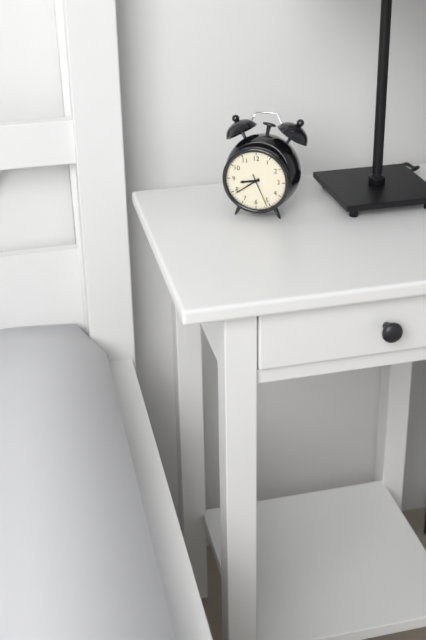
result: **8:39**
